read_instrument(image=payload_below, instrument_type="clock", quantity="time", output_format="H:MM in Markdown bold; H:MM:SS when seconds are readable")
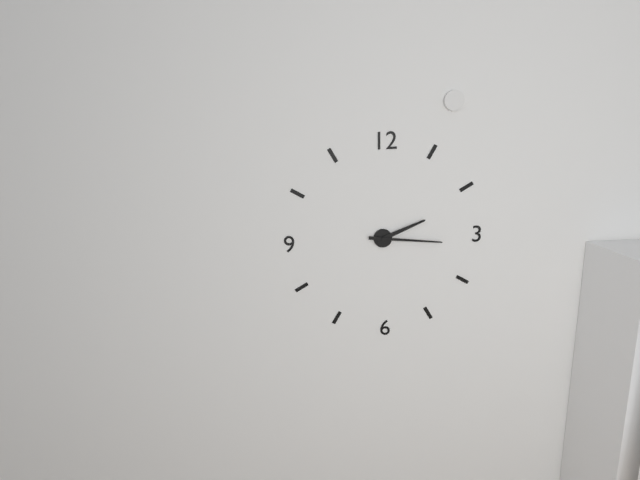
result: **2:16**
